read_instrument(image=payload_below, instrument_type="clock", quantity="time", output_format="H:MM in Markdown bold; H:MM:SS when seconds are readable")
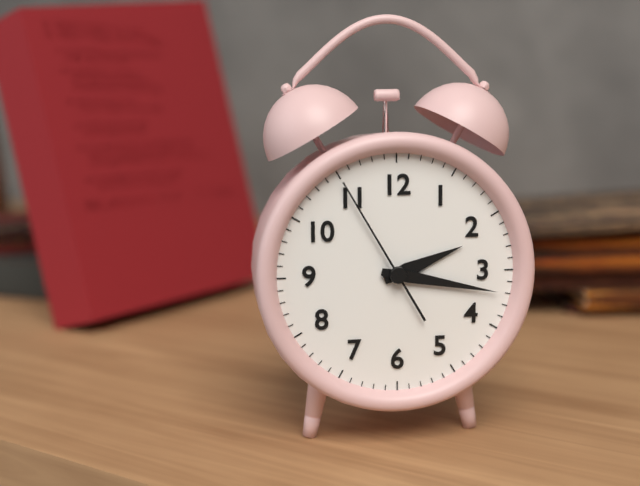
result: **2:17:55**
